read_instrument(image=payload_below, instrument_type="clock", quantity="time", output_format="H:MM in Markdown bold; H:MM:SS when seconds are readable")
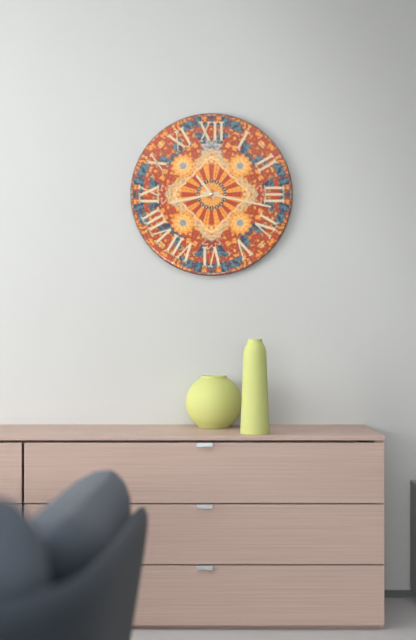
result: **10:43:17**
